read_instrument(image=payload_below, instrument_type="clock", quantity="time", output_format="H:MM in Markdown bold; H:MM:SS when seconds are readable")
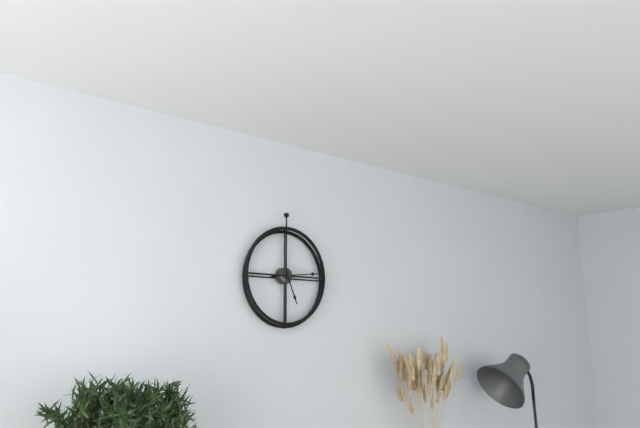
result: **5:14**
